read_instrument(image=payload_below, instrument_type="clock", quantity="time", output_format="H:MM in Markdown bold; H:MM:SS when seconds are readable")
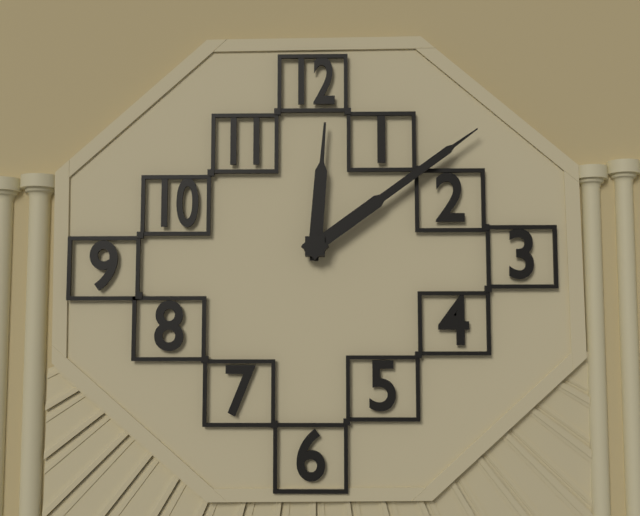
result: **12:09**
